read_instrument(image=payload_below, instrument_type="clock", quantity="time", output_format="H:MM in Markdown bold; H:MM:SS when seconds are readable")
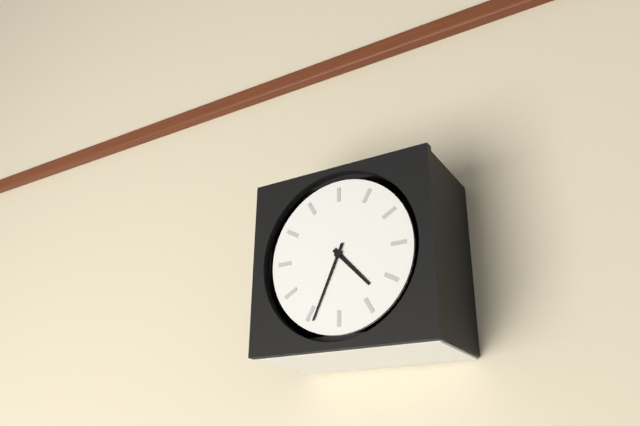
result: **4:34**
